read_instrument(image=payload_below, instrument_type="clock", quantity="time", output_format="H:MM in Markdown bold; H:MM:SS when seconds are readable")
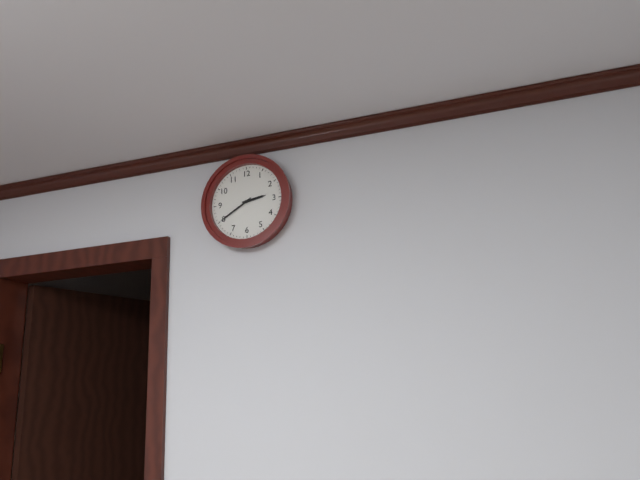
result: **2:40**
